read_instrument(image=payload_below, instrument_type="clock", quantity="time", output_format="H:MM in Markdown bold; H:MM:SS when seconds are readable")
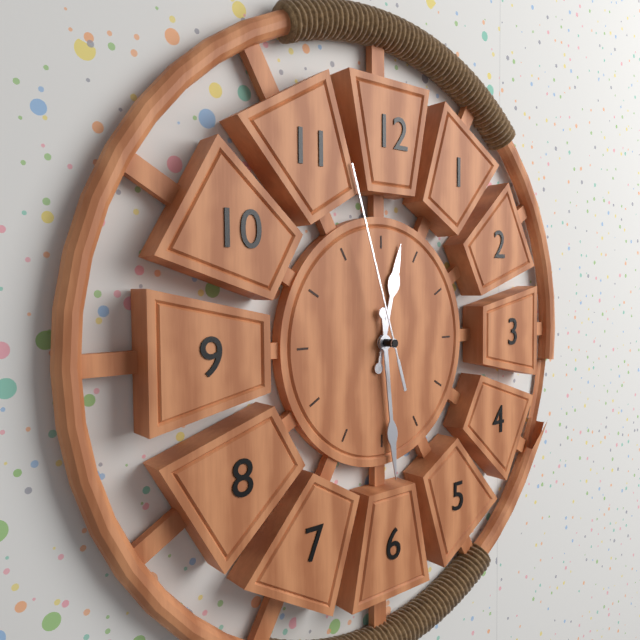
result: **12:29:57**
